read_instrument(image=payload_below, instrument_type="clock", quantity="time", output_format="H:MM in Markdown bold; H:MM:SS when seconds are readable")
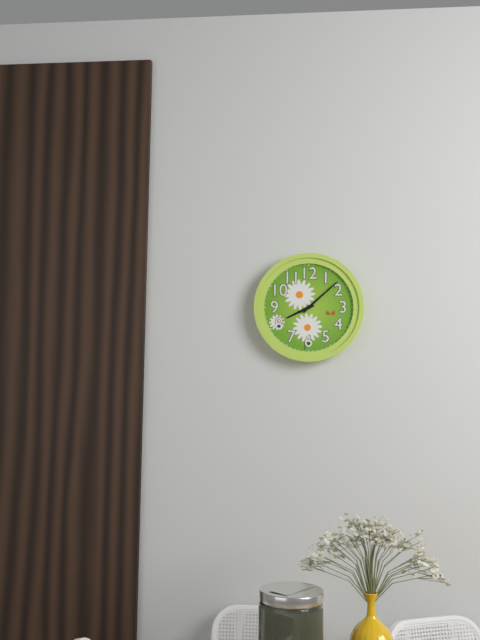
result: **8:08**
